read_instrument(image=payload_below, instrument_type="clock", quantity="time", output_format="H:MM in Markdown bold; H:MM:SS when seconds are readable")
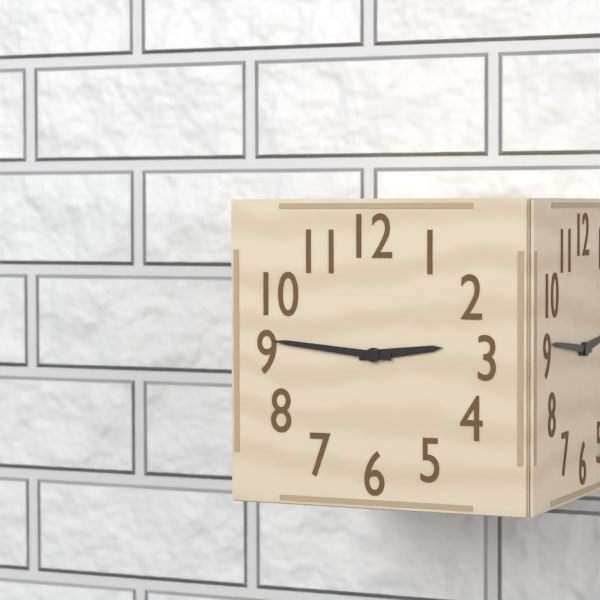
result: **2:46**
